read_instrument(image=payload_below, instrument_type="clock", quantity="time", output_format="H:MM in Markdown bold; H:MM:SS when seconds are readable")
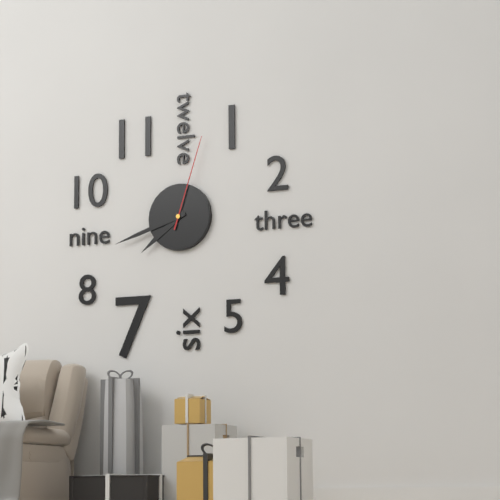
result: **7:42:03**
